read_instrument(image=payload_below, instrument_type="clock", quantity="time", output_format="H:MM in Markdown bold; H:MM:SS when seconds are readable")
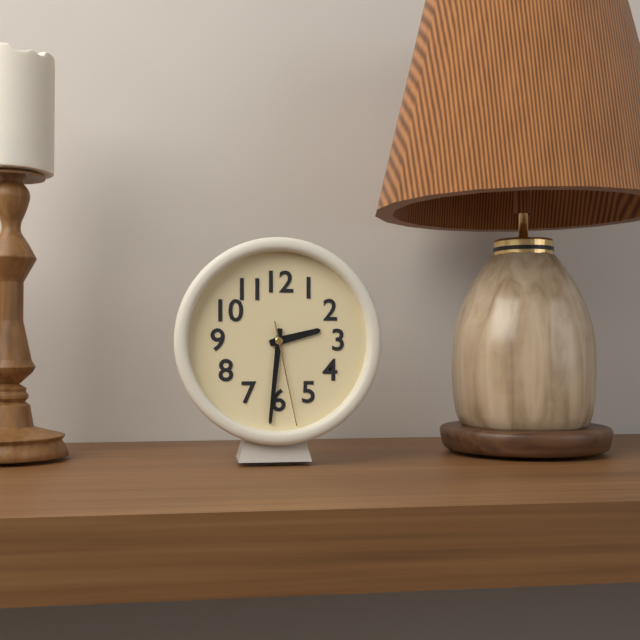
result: **2:31:28**
